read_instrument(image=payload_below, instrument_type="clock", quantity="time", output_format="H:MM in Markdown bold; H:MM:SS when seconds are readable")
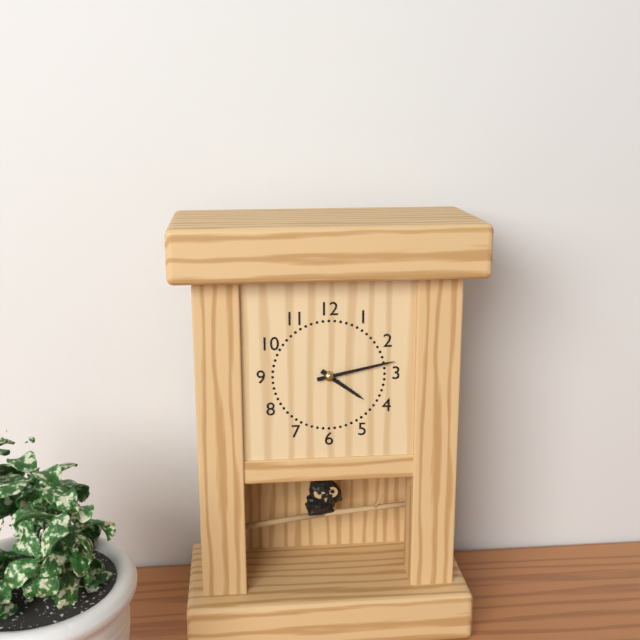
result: **4:13**
